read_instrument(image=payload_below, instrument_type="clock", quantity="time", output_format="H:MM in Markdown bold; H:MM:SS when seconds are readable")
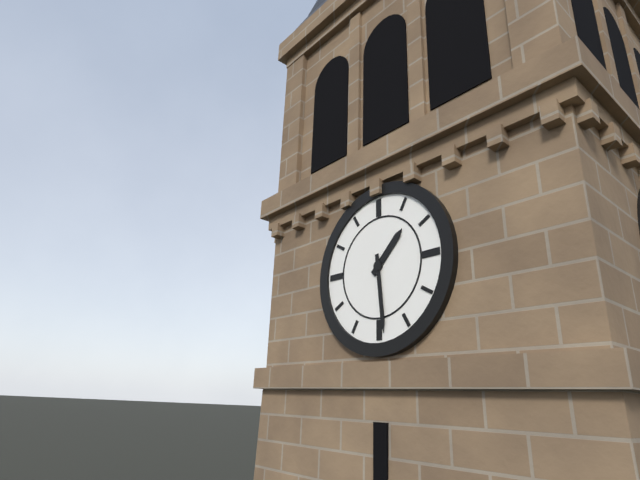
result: **1:29**
